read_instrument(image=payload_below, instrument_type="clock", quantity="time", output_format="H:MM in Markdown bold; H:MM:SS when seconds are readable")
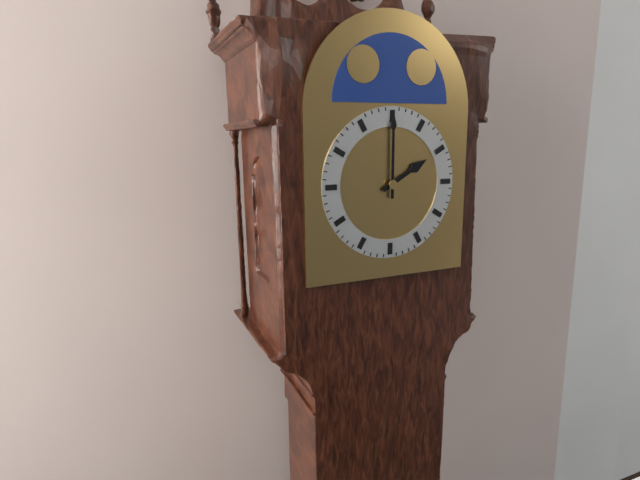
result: **2:00**
